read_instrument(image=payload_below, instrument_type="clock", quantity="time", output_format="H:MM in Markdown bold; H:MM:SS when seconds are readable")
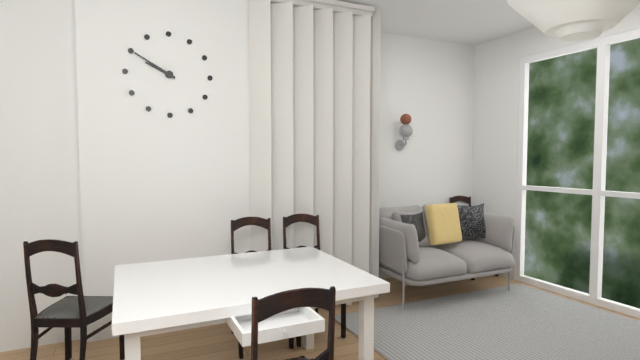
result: **9:50**
